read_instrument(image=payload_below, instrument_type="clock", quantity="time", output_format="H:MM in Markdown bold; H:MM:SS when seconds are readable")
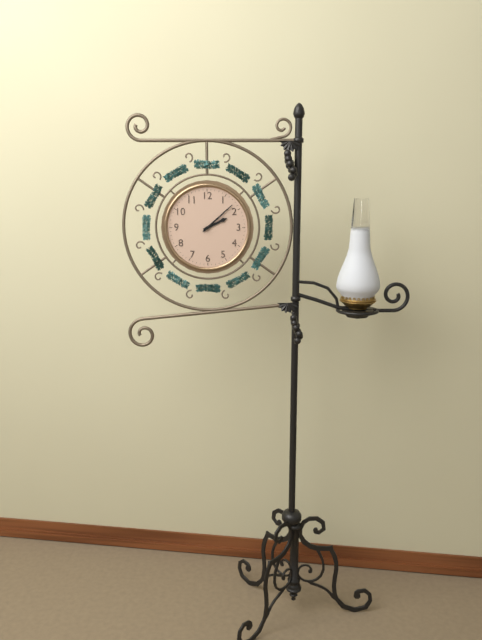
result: **2:08**
